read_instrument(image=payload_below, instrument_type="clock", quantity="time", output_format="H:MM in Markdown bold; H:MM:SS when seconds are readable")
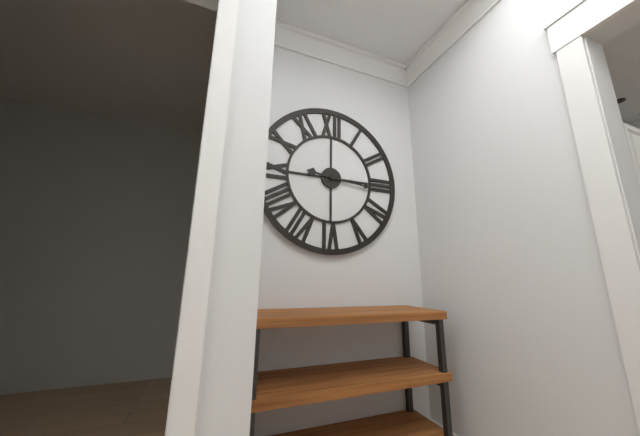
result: **9:16**
